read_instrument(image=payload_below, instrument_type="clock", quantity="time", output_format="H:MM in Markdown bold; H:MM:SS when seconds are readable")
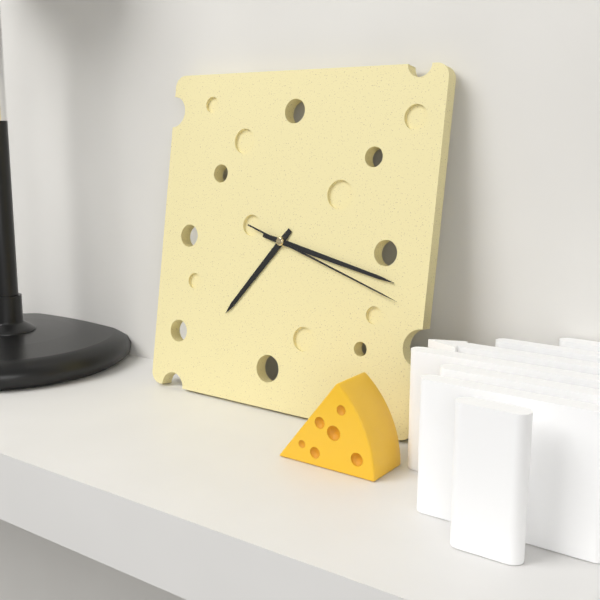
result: **7:17:18**
